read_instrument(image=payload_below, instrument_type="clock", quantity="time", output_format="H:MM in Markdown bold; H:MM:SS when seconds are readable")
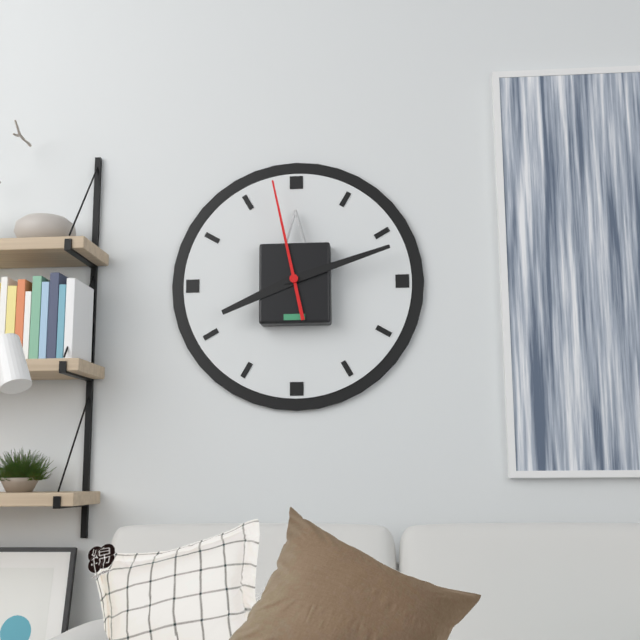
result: **8:12:58**
